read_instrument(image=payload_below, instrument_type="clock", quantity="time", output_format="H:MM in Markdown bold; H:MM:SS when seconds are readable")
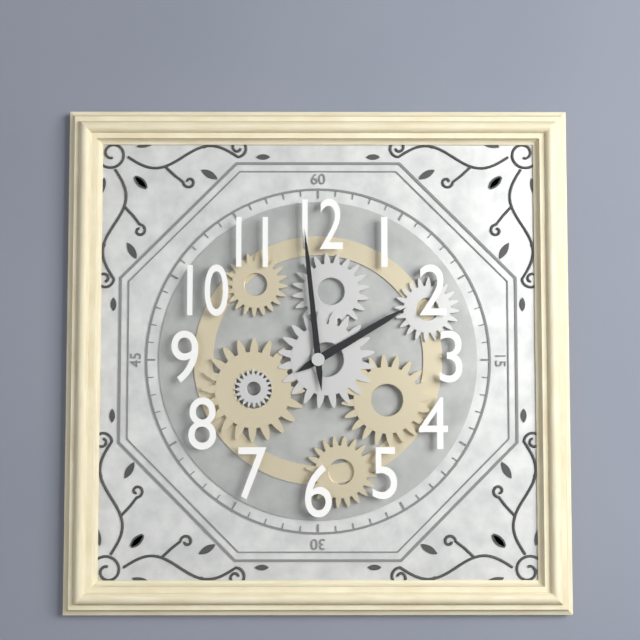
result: **1:59**
